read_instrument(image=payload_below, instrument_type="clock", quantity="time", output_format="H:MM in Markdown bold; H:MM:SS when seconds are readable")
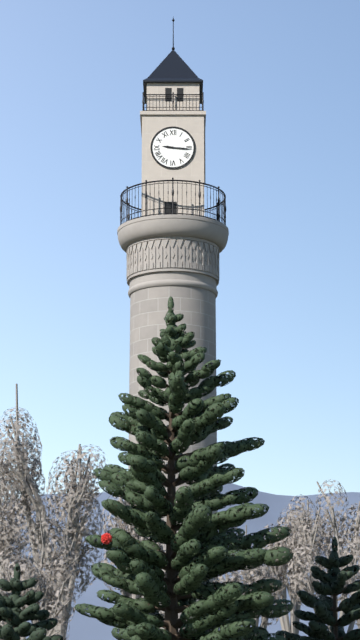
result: **9:16**
